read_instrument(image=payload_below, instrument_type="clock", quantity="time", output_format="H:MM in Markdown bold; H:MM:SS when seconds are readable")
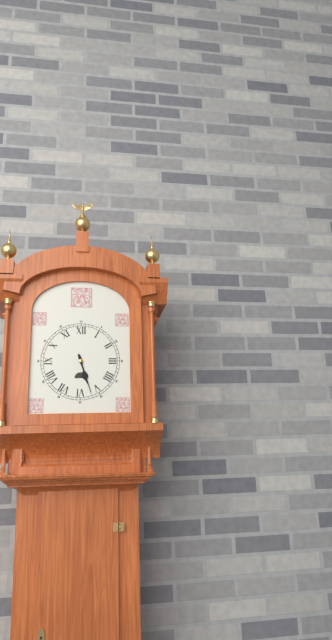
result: **5:27**
